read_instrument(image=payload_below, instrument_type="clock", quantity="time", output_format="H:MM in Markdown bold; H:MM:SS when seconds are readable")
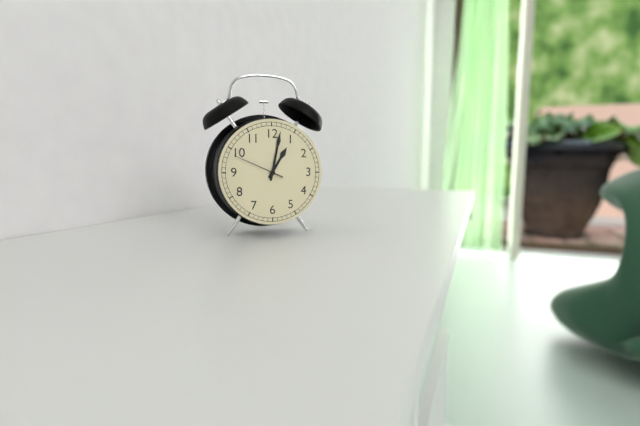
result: **1:02:49**
